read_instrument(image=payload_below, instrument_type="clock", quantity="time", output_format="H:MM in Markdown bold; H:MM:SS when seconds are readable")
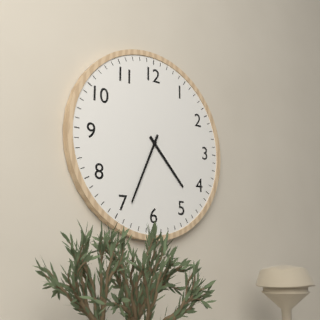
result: **4:34**
